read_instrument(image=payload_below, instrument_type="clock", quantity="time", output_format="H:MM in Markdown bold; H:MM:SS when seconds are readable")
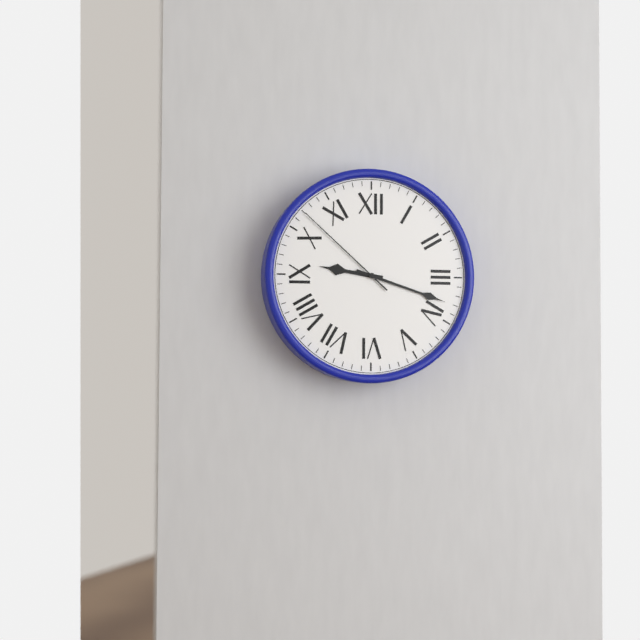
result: **9:18:52**
